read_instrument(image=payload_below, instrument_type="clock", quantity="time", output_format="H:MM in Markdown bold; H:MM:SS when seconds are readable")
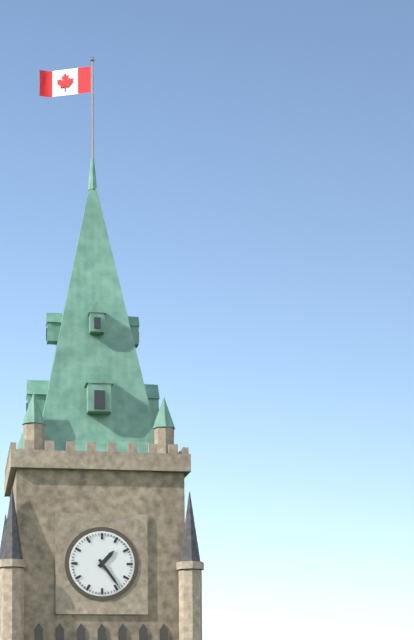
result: **1:24**
